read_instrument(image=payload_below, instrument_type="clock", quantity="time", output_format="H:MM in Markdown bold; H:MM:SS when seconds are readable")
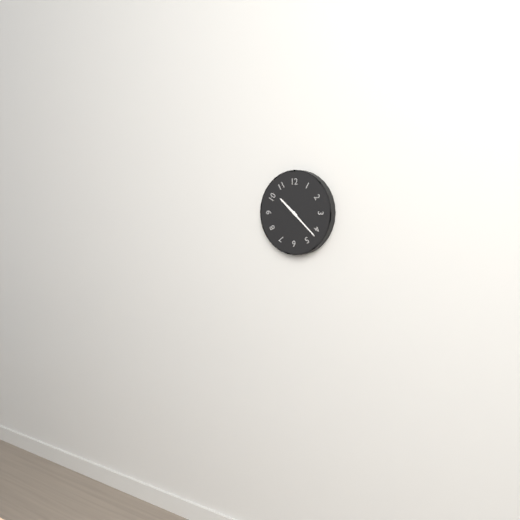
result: **10:22**
